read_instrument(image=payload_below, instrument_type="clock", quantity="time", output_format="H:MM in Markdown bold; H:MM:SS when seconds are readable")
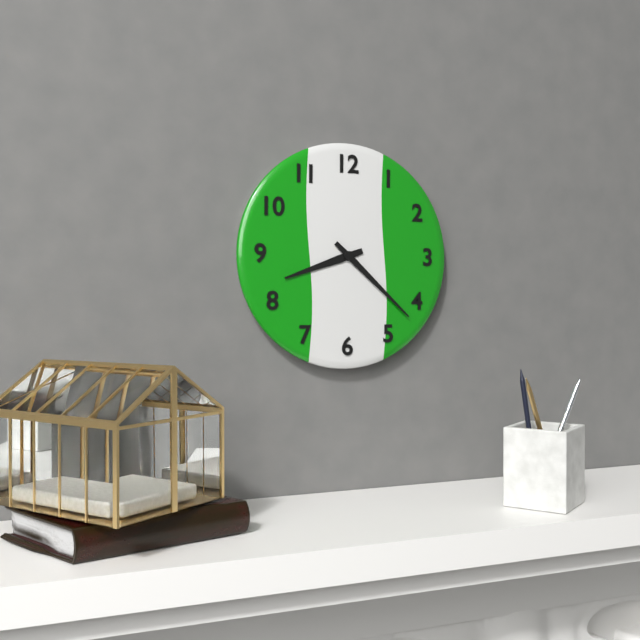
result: **8:22**
